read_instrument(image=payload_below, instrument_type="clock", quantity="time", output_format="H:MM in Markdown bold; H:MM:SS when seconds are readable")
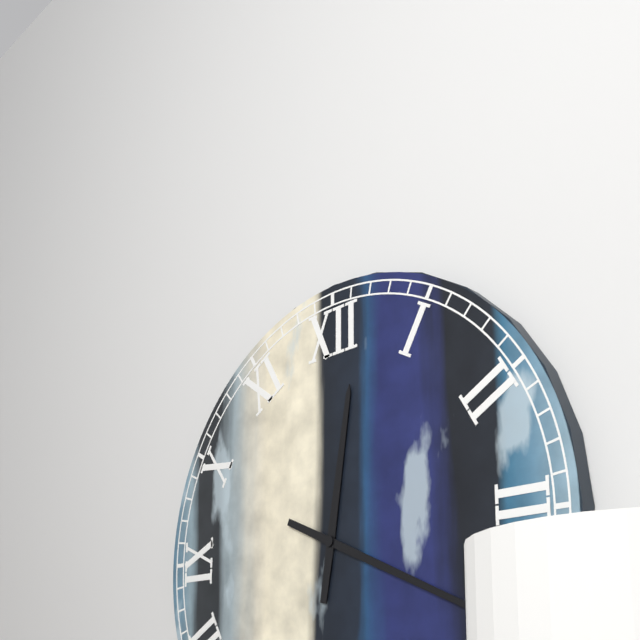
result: **12:19**
